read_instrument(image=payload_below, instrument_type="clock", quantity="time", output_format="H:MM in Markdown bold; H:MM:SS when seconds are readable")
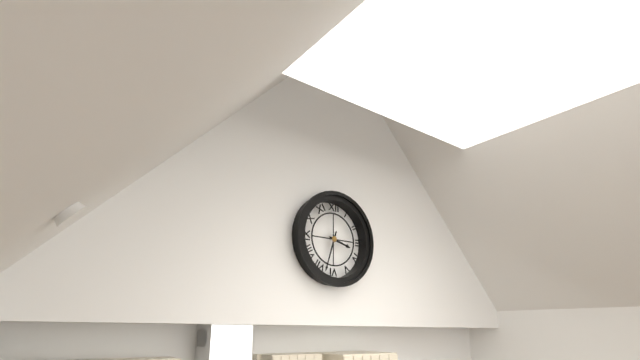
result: **3:33**
